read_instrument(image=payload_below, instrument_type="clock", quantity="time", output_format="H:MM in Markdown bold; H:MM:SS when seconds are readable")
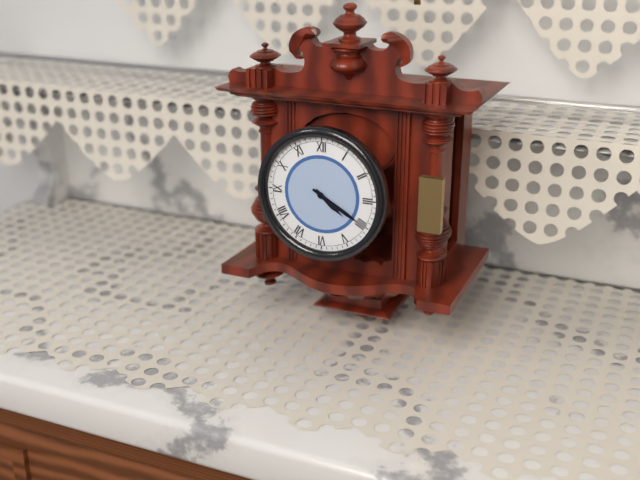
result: **4:20**
